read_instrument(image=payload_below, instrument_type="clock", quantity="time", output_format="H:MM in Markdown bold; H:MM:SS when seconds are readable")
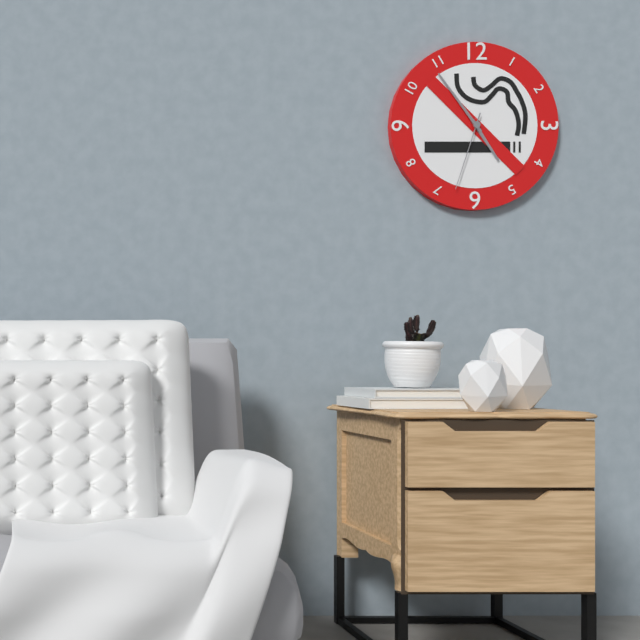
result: **4:54:33**
